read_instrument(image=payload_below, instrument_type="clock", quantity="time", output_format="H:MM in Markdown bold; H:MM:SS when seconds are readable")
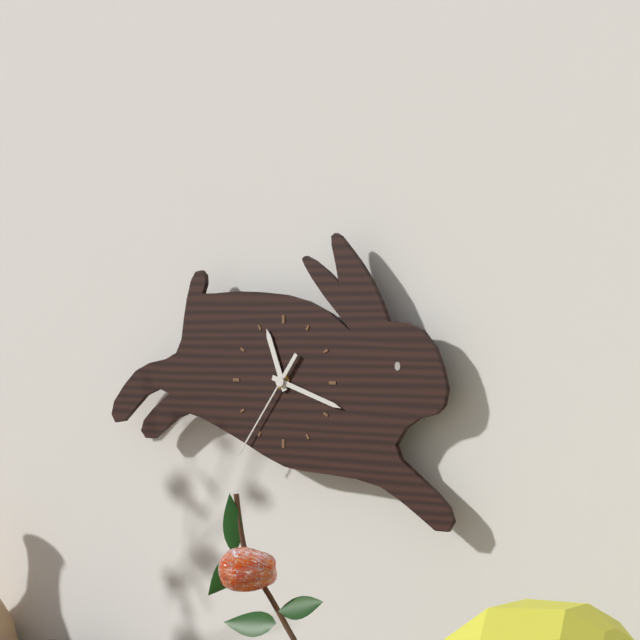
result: **11:18:36**
